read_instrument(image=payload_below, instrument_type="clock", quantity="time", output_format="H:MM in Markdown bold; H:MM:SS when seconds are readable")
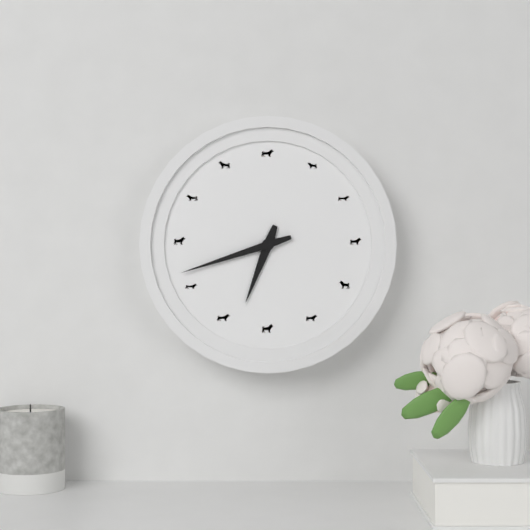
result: **6:42**
